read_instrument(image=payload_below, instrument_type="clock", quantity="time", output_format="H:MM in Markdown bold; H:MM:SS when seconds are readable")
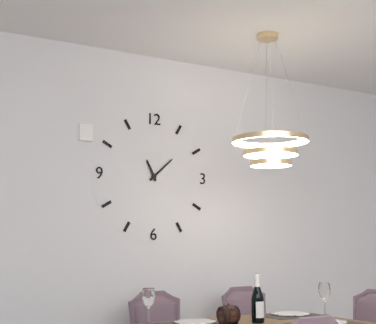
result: **11:08**
